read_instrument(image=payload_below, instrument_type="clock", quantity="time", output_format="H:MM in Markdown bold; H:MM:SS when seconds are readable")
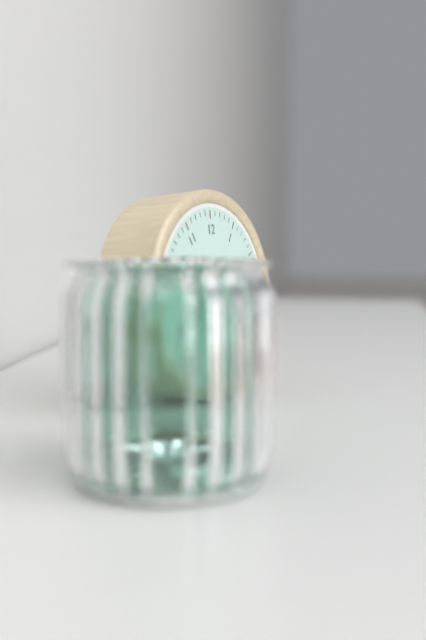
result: **10:41:32**
